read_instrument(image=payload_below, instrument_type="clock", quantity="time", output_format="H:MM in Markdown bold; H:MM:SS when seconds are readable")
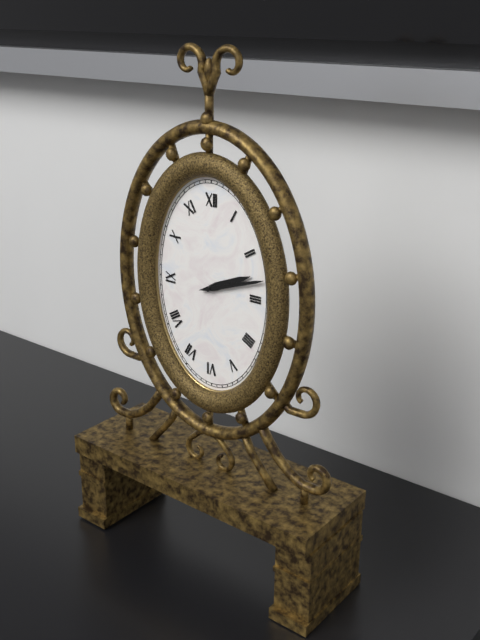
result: **2:12**
